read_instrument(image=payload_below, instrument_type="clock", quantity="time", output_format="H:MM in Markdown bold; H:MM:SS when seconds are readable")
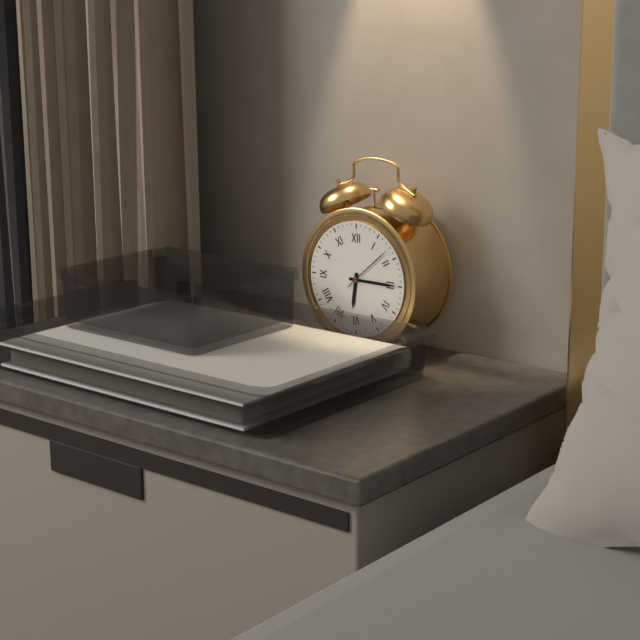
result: **6:15:08**
